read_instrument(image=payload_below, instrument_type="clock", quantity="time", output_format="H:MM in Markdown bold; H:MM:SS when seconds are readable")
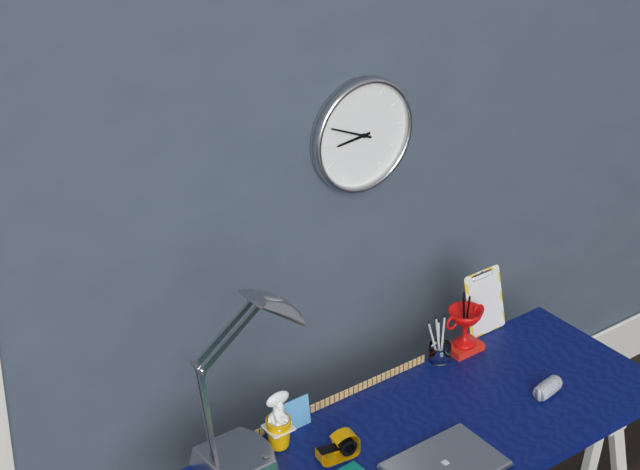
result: **8:49**
